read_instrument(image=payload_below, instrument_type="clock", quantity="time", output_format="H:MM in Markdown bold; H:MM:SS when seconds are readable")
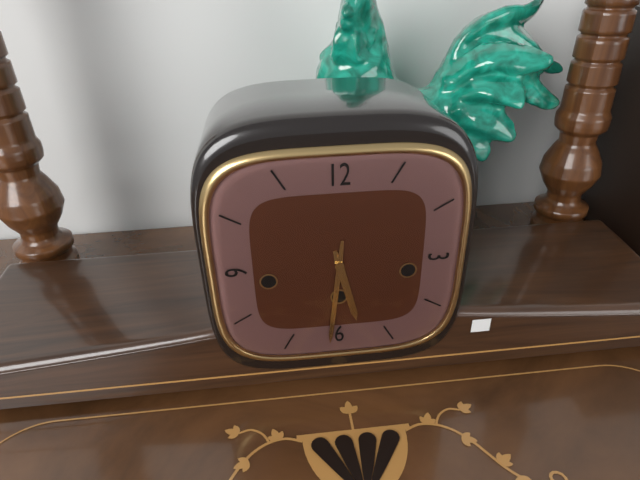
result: **5:31**
